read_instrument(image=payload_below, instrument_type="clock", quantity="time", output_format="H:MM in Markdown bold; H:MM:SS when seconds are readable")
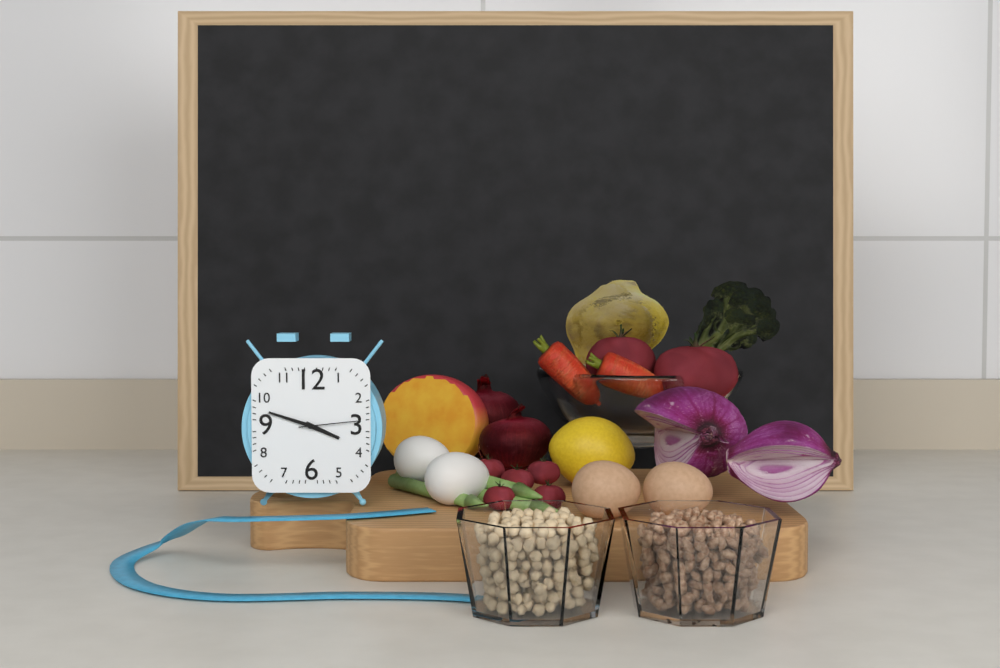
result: **3:48:14**
